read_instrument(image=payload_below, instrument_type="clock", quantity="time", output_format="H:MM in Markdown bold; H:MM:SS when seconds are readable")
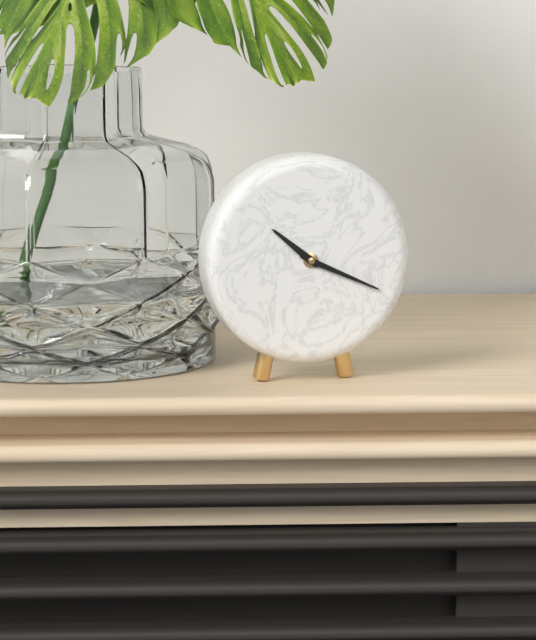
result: **10:19**
